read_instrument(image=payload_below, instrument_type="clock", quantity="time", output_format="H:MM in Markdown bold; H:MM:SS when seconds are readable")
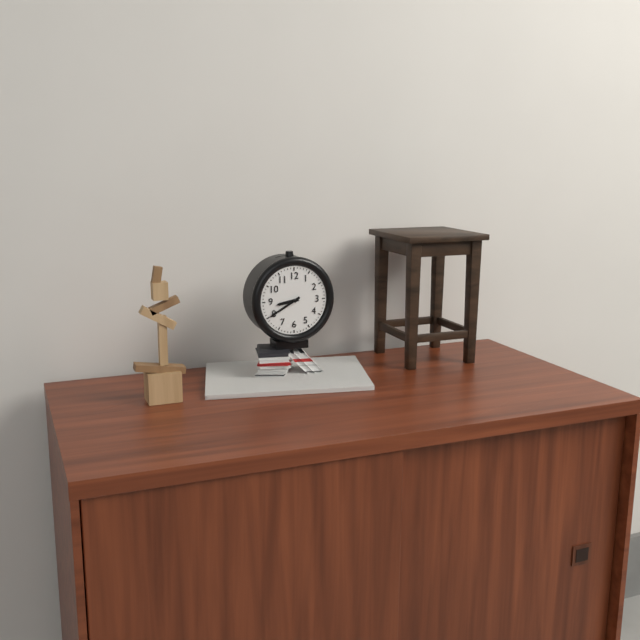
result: **8:40**
